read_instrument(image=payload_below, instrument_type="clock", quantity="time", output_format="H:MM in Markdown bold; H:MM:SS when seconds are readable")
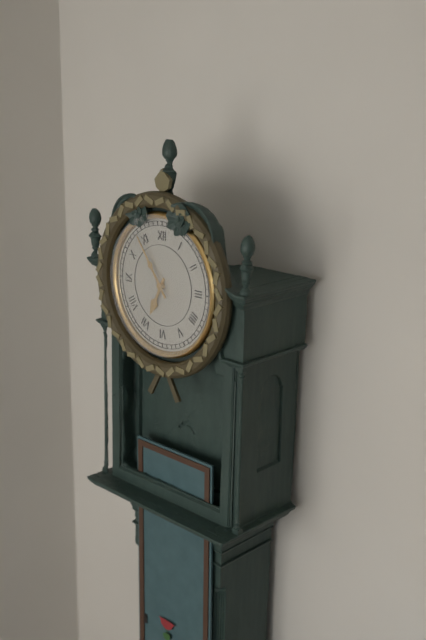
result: **6:54**
